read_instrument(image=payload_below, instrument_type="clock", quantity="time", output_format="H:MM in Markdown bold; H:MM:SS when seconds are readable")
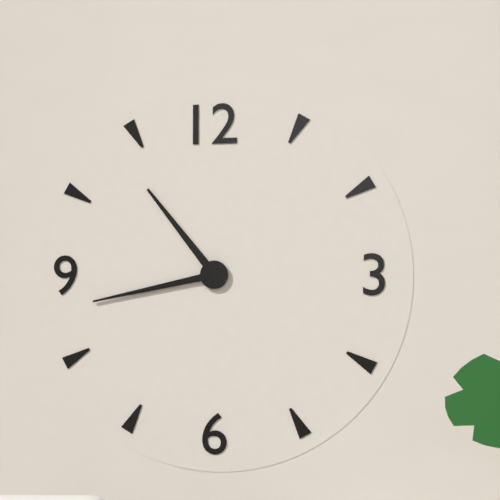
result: **10:43**
